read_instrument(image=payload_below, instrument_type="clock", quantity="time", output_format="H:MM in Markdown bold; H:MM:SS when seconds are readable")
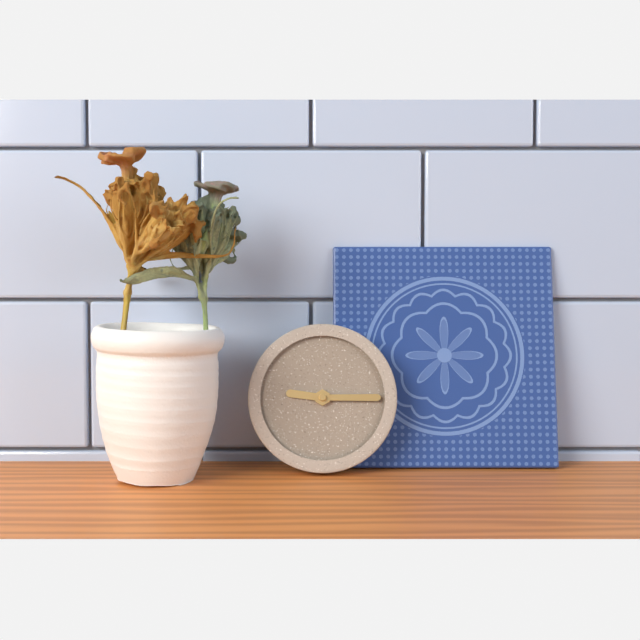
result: **9:15**
